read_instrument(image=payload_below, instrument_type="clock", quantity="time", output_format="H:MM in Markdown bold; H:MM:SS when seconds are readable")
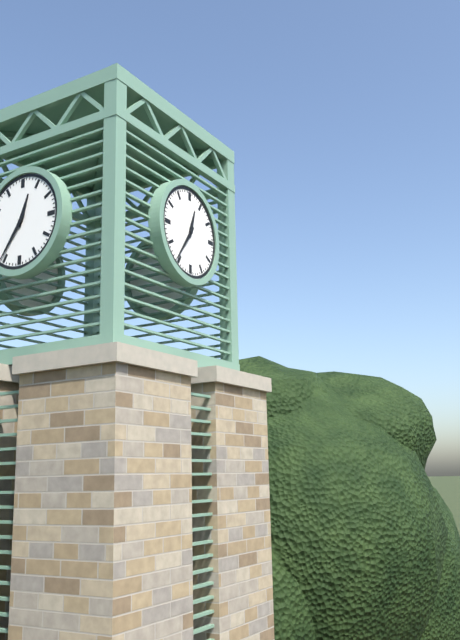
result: **12:36**
